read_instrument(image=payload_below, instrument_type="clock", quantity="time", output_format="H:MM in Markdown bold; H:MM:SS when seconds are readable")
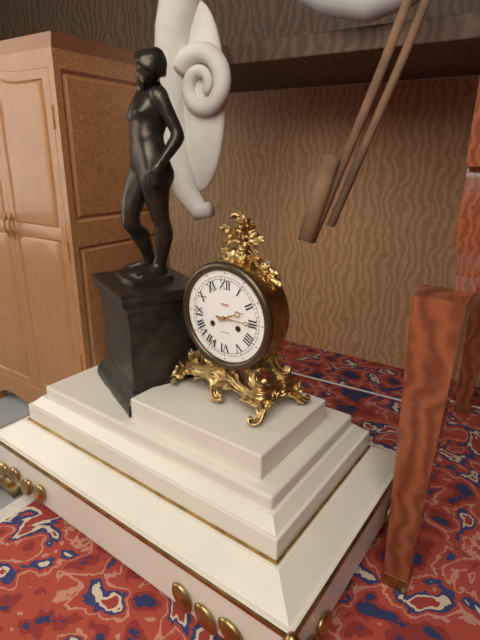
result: **2:15**
